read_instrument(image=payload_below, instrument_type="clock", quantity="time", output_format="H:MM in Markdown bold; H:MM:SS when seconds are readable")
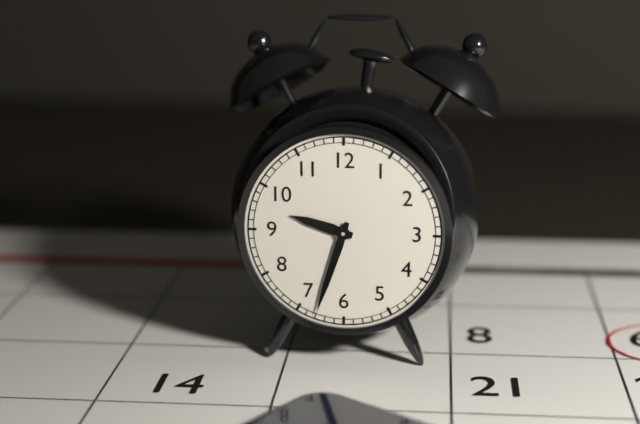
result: **9:33**
